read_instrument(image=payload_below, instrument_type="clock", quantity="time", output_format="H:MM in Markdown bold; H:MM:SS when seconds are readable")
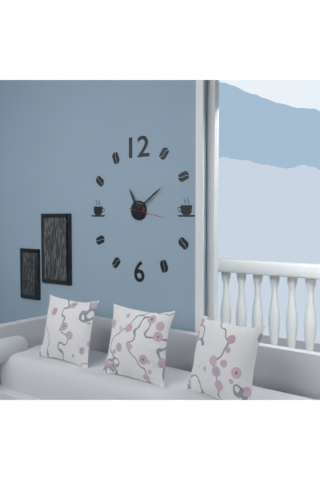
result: **11:09**
